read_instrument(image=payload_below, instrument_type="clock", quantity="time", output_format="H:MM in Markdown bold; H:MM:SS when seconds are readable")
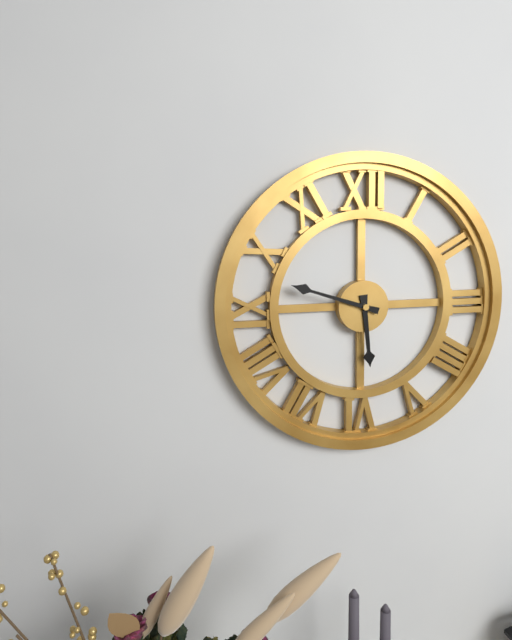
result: **5:48**
